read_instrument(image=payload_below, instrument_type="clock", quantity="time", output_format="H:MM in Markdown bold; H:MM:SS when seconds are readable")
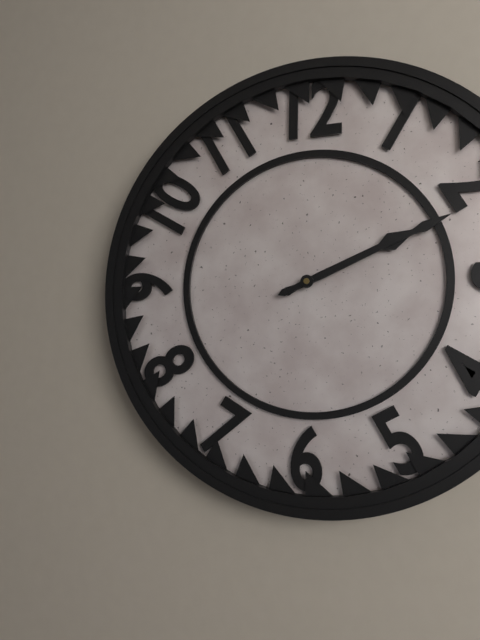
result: **2:11**
